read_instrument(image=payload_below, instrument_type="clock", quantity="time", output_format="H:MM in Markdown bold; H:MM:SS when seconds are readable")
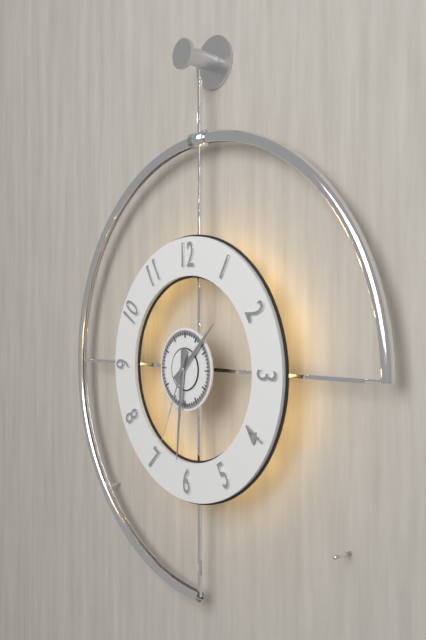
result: **1:31:34**
